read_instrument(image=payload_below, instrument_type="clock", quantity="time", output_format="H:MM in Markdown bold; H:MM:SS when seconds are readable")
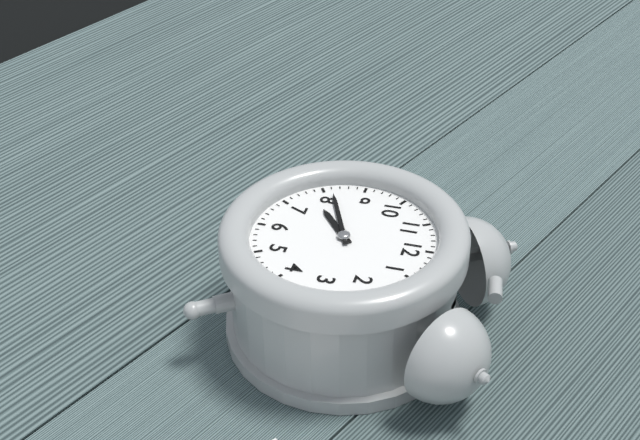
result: **7:41**
